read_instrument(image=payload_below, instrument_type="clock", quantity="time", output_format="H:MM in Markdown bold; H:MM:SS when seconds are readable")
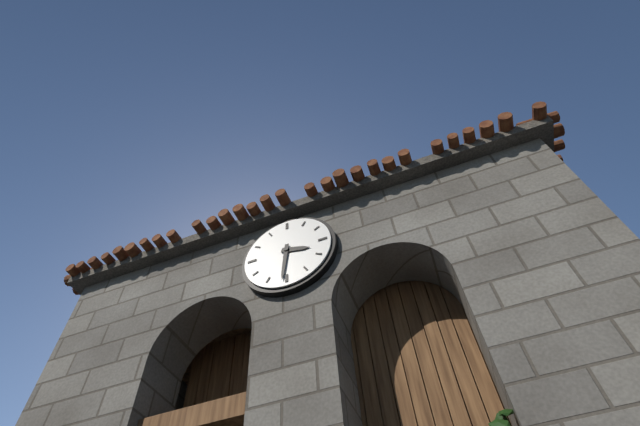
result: **3:31**
